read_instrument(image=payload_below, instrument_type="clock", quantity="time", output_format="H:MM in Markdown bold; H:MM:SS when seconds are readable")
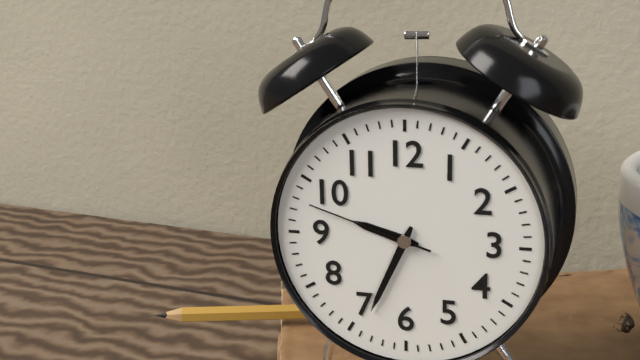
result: **9:34:48**
